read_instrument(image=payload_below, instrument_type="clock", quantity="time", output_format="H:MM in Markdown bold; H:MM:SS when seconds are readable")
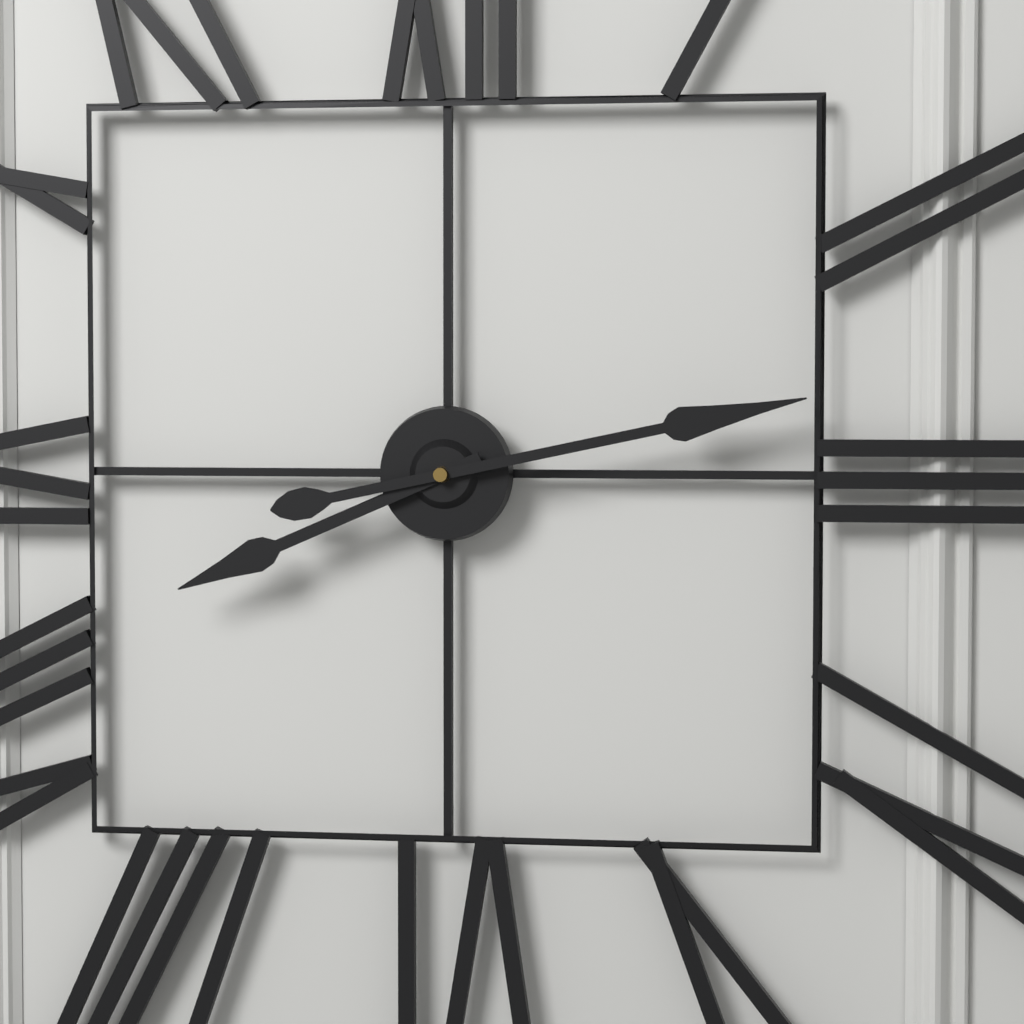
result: **8:13**
